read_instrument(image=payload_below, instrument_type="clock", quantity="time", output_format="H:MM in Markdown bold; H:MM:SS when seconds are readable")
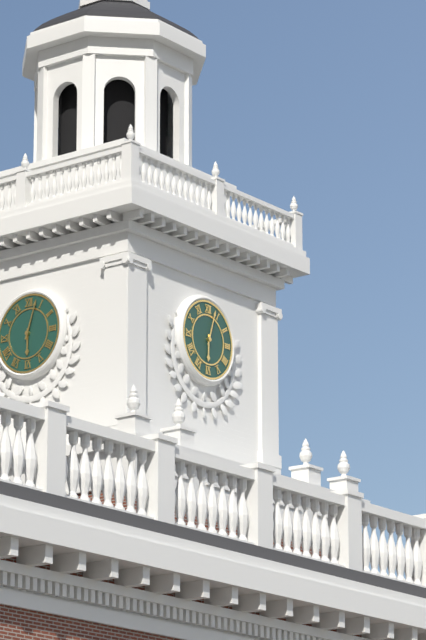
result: **6:03**
